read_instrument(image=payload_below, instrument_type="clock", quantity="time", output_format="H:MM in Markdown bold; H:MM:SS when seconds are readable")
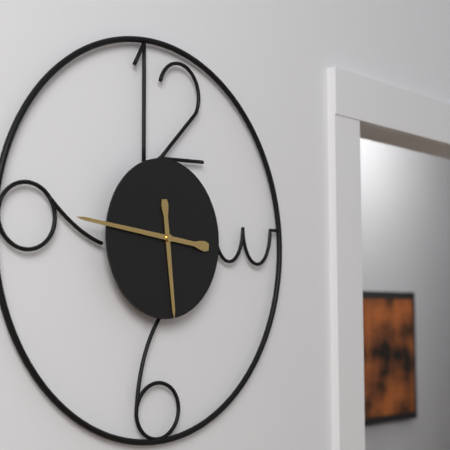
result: **5:46**
